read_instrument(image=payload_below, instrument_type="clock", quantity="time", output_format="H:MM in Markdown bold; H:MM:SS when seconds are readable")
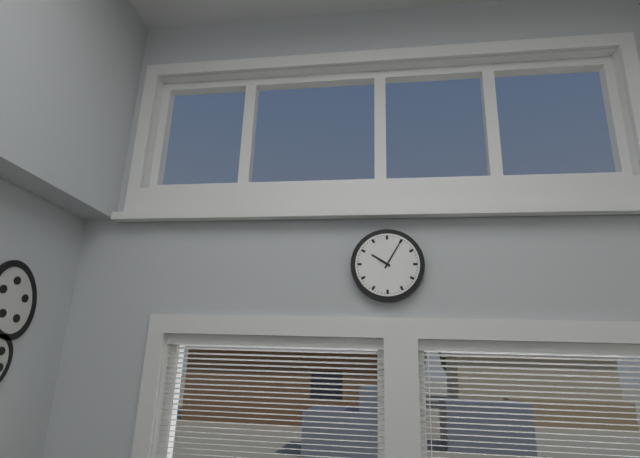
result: **10:05**
